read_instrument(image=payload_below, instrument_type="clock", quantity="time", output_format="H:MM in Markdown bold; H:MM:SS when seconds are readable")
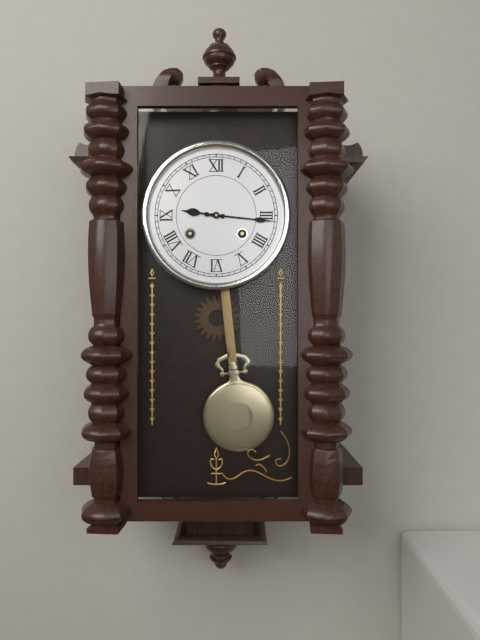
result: **9:16**
